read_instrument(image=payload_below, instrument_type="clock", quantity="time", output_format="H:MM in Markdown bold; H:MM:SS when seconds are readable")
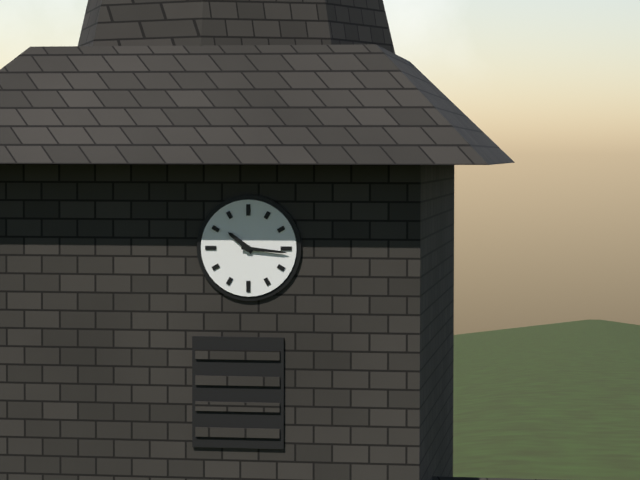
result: **10:16**
